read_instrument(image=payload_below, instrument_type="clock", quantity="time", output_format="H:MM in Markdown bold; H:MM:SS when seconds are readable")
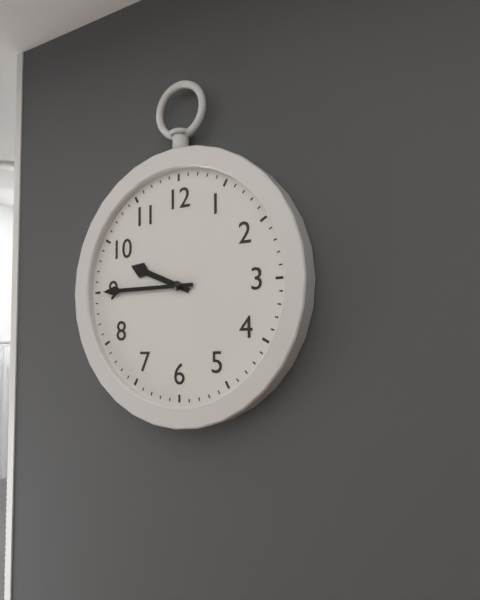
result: **9:45**
